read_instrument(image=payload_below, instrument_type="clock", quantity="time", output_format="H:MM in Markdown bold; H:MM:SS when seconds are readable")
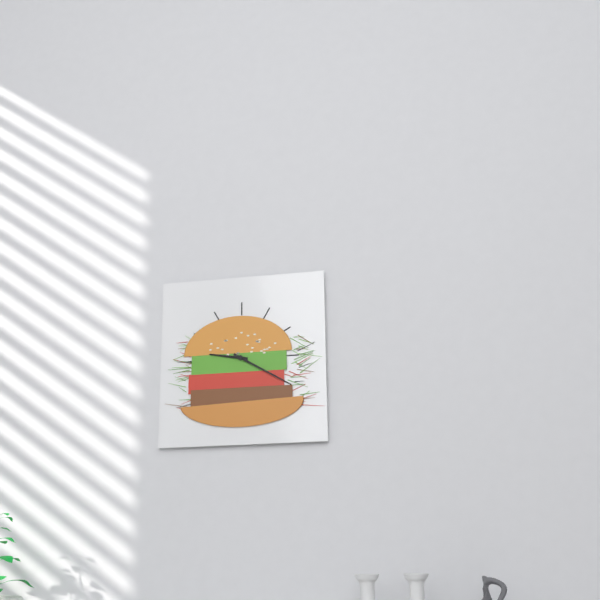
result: **9:20**
